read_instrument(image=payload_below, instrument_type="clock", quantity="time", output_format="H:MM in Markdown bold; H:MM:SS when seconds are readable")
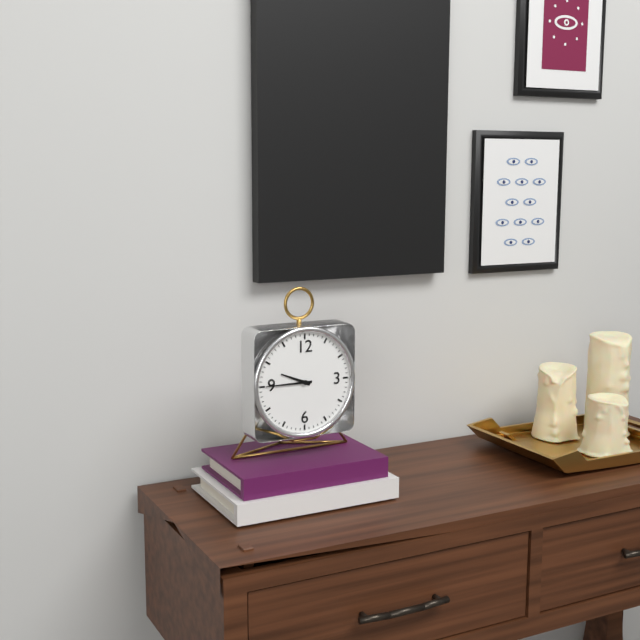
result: **9:45**
